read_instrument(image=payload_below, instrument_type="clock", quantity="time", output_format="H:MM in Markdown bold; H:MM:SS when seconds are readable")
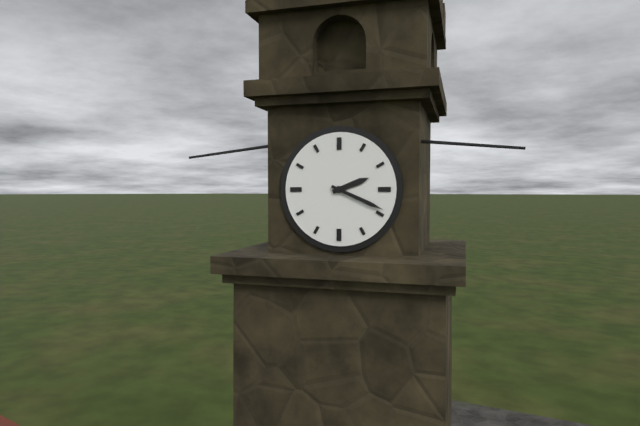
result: **2:19**
